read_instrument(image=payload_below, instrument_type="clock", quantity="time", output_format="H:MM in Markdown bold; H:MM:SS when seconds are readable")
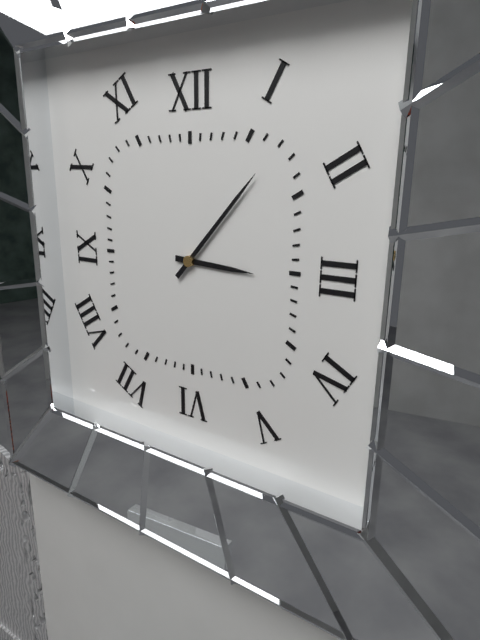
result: **3:07**
